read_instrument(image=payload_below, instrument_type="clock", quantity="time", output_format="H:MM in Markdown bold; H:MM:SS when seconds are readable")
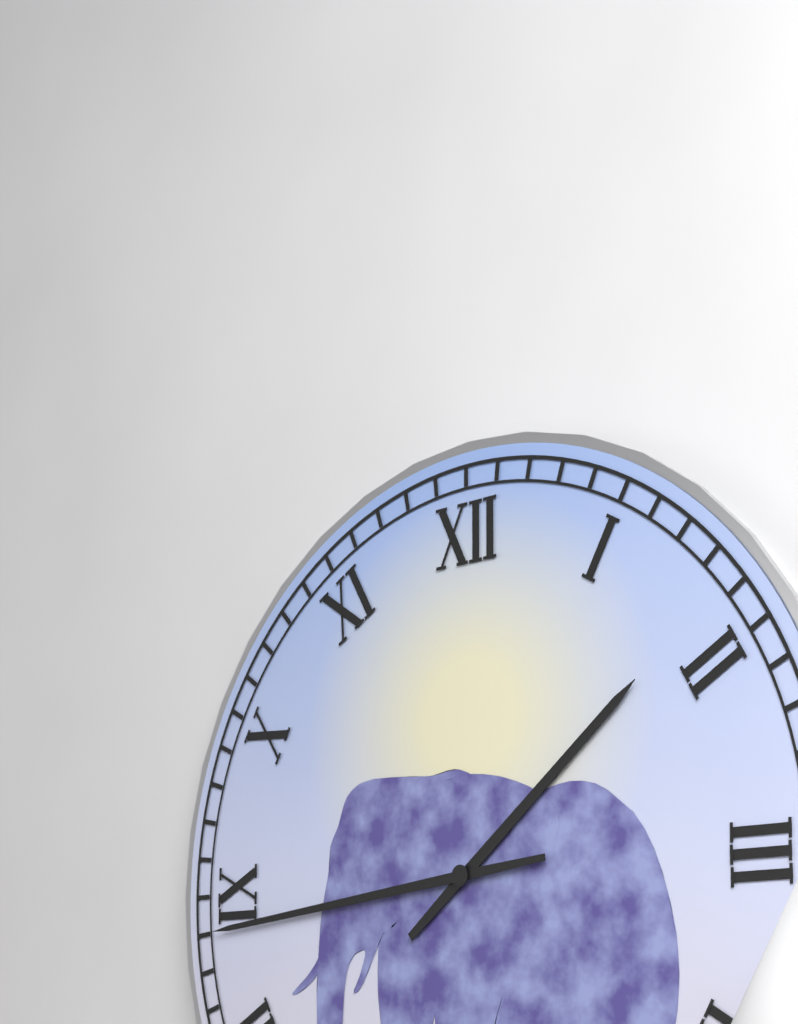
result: **1:44**
